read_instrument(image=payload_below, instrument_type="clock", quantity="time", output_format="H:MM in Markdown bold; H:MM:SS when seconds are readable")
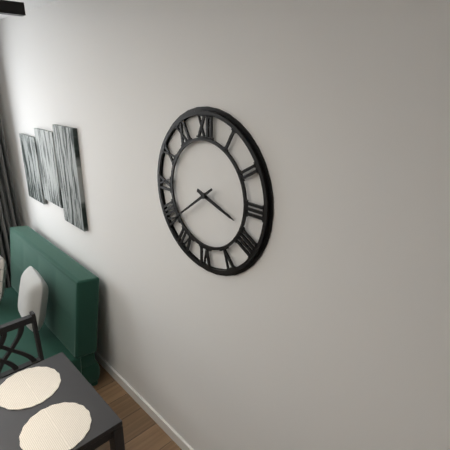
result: **3:39**
